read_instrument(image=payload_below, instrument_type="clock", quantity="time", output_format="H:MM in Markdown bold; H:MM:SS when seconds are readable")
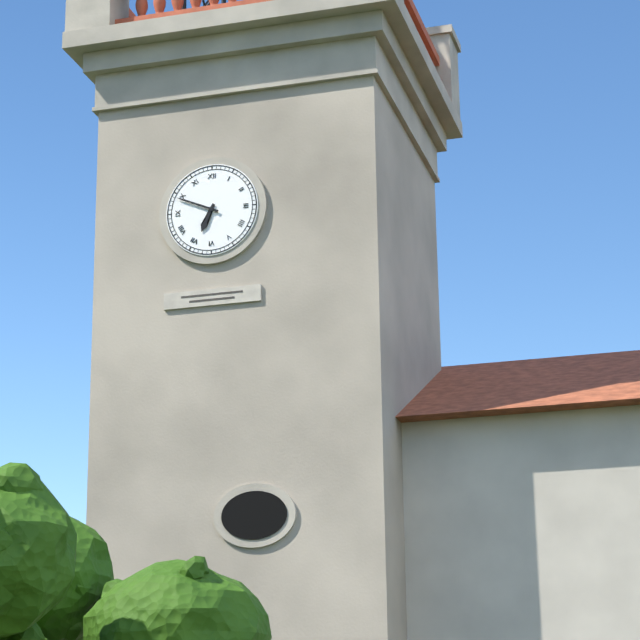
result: **6:49**
